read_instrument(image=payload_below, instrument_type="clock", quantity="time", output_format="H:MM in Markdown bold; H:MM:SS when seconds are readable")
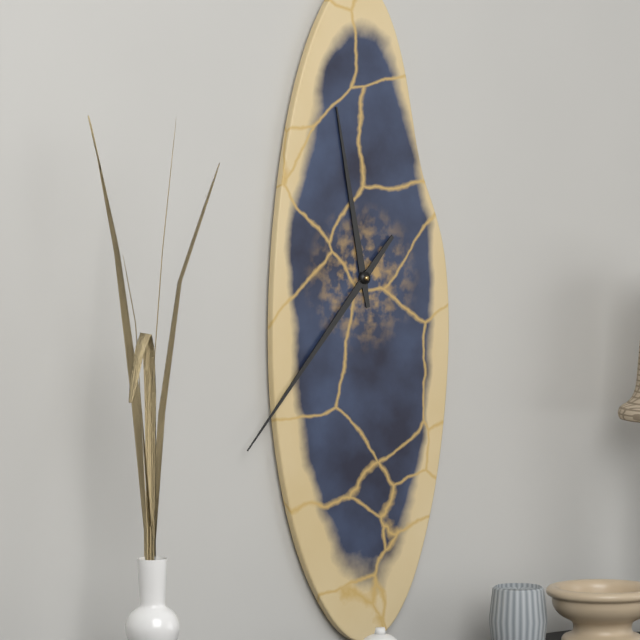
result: **11:37**
